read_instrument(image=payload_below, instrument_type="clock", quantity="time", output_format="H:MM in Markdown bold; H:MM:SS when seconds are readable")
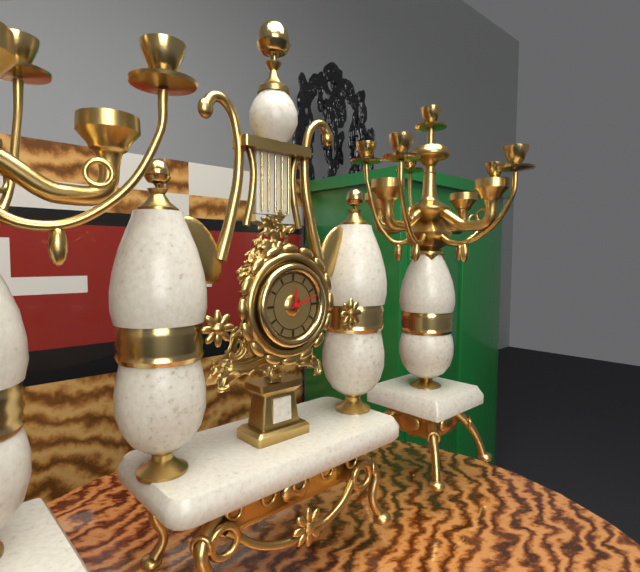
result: **12:12**
